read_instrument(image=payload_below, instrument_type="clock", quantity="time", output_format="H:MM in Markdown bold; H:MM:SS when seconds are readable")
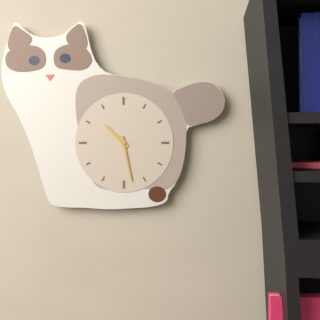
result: **10:28**
